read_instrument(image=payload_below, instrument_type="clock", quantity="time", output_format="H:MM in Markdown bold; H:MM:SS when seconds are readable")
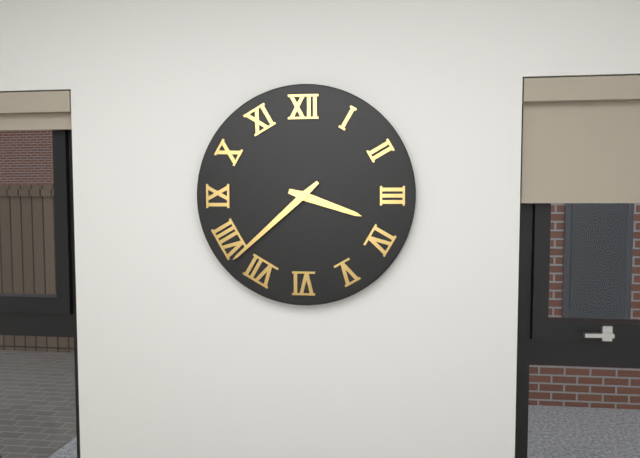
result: **3:38**
